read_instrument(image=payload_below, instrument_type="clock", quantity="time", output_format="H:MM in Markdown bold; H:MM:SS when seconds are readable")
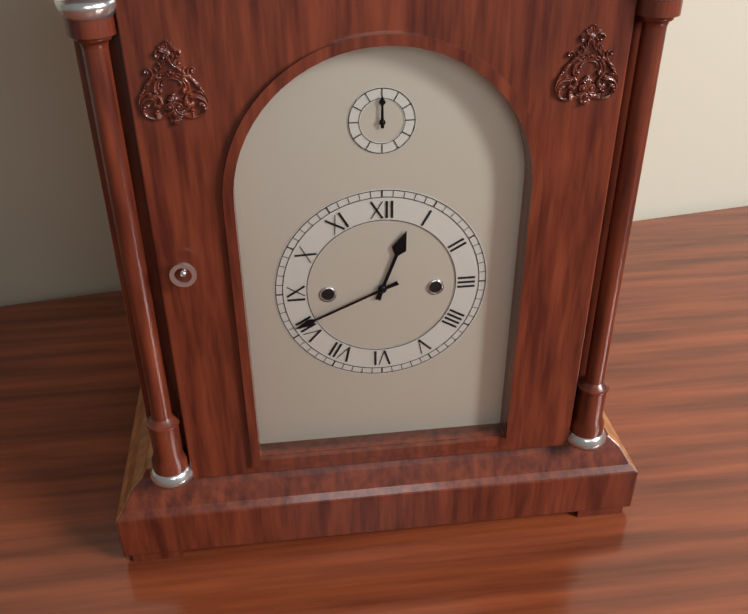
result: **12:41**
